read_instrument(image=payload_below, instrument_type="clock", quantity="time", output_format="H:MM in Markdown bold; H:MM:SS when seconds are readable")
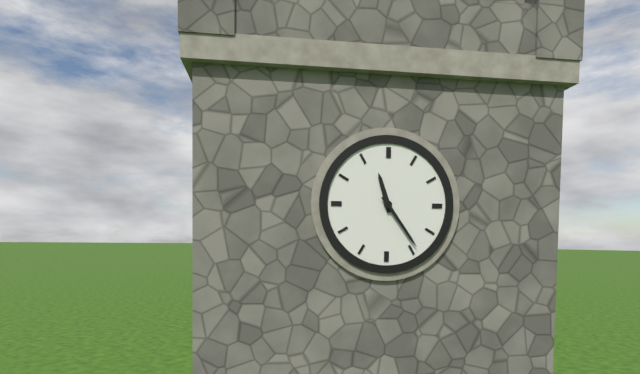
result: **11:24**
